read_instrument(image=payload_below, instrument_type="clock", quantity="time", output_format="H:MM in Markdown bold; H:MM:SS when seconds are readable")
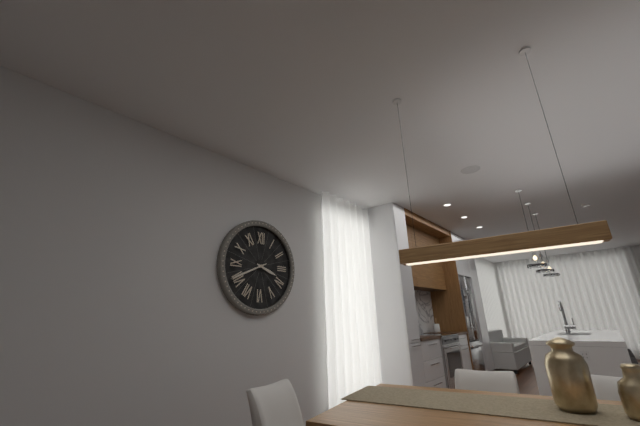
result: **3:41**
